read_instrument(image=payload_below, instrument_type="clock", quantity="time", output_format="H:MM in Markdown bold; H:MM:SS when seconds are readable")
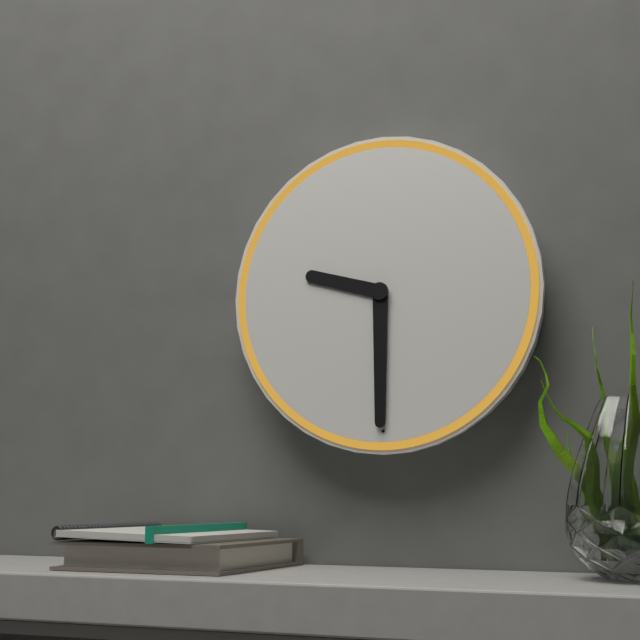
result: **9:30**
